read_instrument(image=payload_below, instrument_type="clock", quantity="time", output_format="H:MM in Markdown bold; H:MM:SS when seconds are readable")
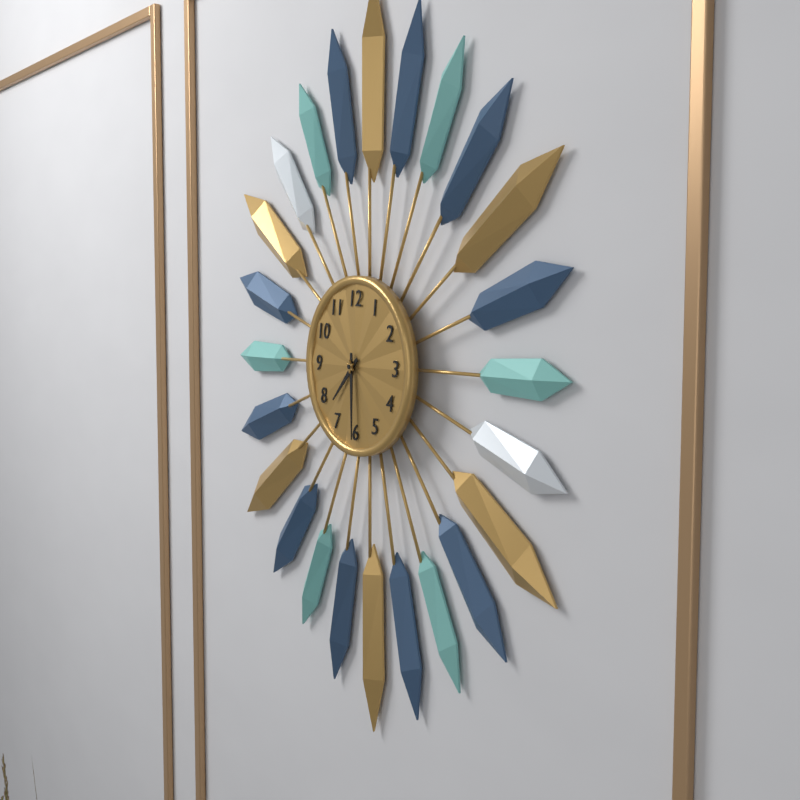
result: **7:30**
